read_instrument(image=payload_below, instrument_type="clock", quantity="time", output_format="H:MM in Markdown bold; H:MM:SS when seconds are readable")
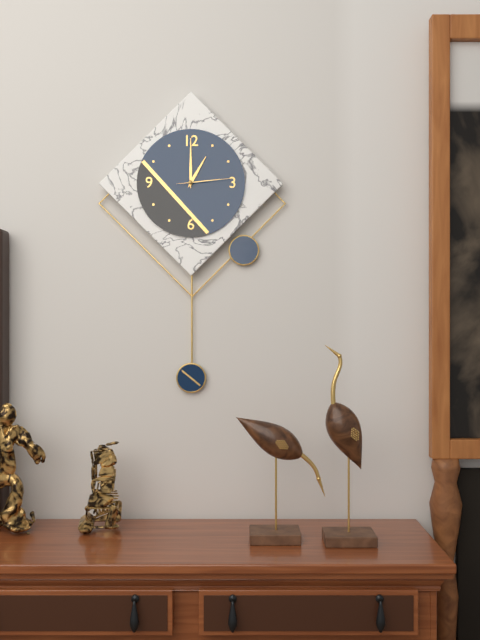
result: **1:00:14**
